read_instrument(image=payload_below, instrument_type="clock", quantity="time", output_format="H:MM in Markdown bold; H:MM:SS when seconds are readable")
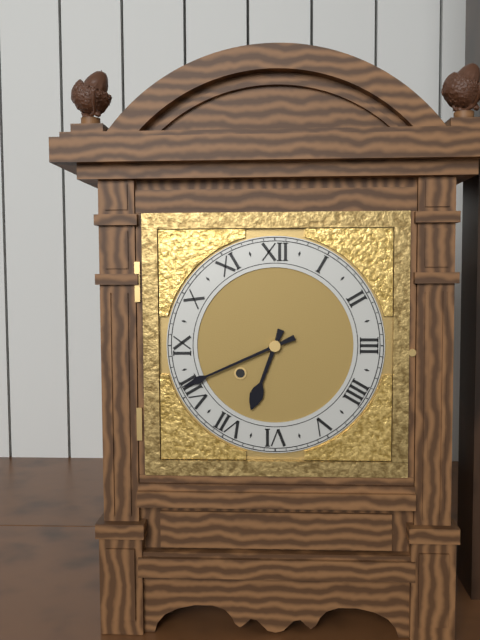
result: **6:41**
